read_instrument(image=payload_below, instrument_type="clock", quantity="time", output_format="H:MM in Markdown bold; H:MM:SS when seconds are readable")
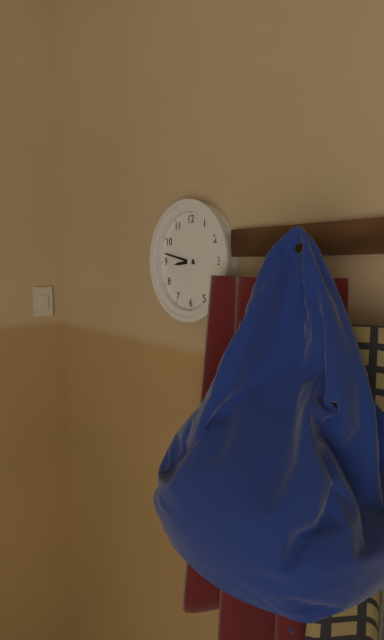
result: **8:47**
